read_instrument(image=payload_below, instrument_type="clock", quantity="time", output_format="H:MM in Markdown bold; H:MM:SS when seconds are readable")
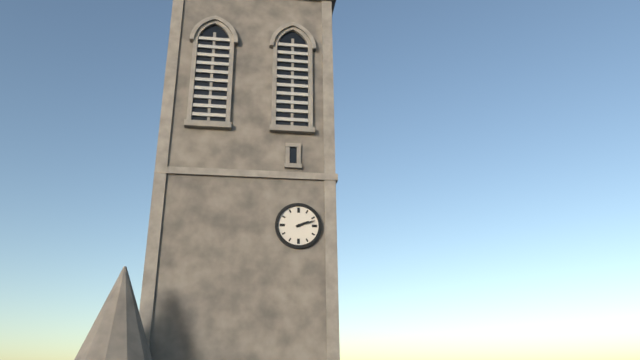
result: **2:12**
